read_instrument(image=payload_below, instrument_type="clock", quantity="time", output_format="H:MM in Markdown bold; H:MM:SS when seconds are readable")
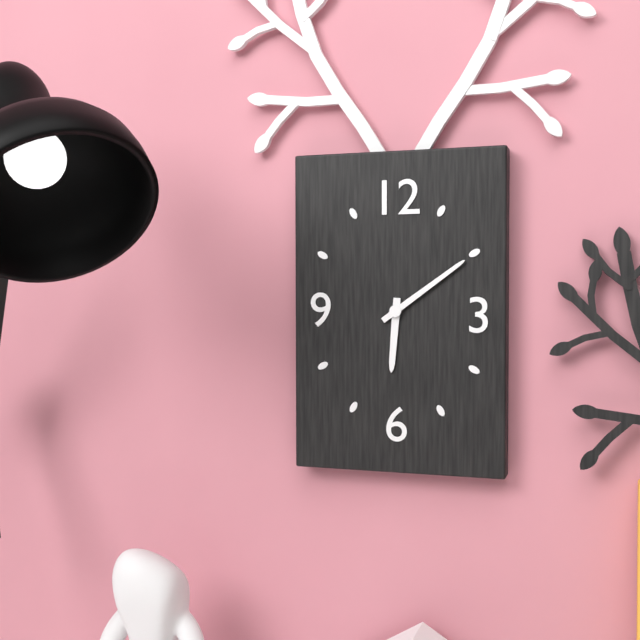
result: **6:09**
